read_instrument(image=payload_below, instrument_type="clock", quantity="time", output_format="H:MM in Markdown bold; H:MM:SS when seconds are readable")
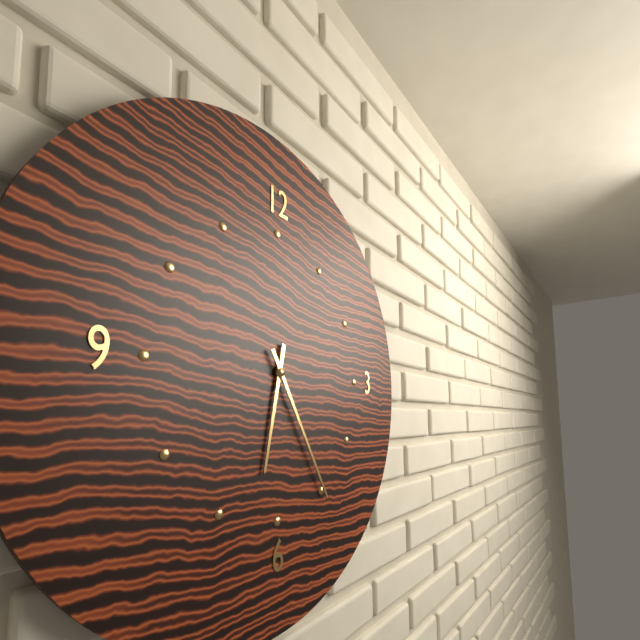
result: **6:25**
